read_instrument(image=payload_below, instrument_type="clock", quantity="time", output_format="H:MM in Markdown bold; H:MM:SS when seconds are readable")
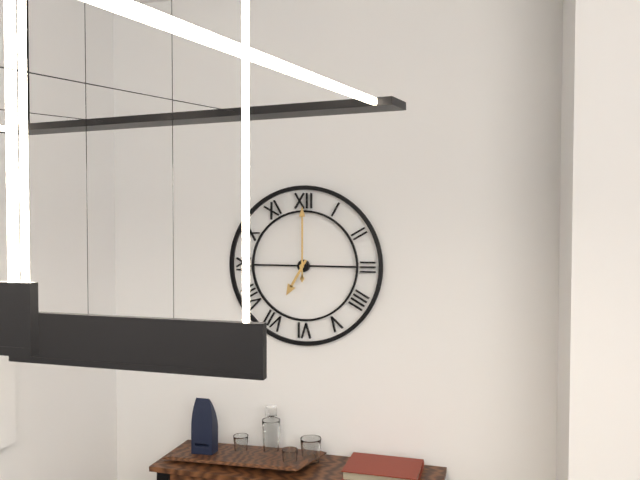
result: **7:00**
